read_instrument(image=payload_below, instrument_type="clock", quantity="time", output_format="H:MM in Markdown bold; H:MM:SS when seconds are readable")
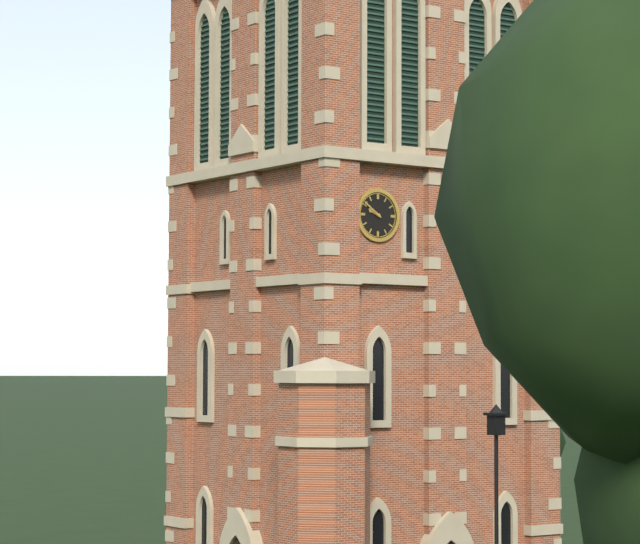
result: **9:51**
